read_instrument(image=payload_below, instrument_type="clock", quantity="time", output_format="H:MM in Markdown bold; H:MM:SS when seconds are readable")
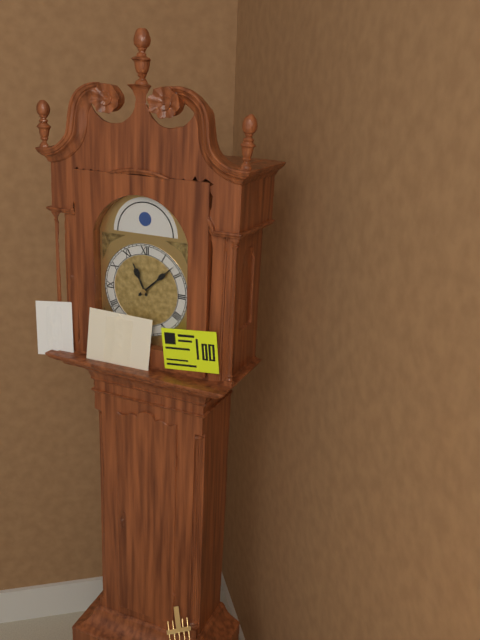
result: **11:08**
